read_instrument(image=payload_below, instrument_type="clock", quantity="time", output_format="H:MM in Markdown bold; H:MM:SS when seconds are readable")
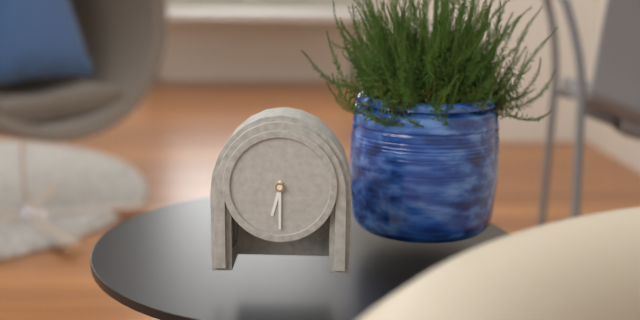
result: **6:30**
